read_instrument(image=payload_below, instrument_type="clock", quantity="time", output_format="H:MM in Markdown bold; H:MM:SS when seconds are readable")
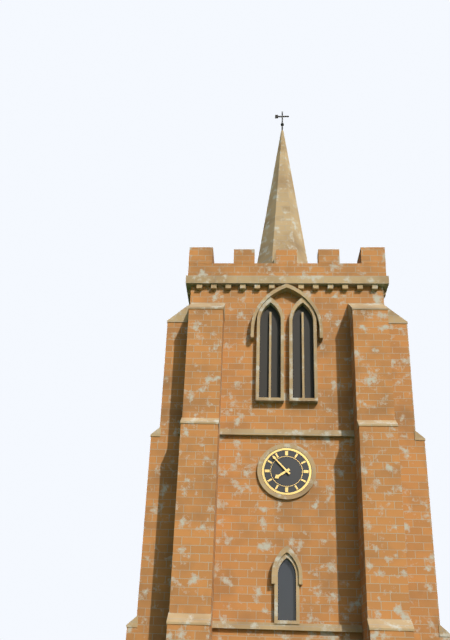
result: **7:53**
